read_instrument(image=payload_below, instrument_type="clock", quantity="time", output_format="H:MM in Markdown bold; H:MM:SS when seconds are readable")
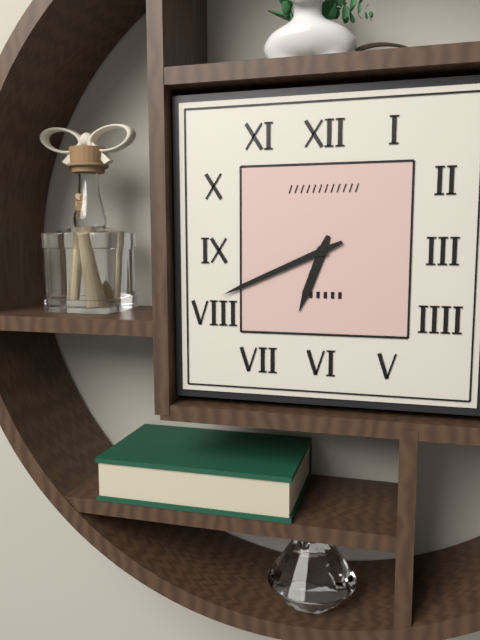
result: **6:41**
